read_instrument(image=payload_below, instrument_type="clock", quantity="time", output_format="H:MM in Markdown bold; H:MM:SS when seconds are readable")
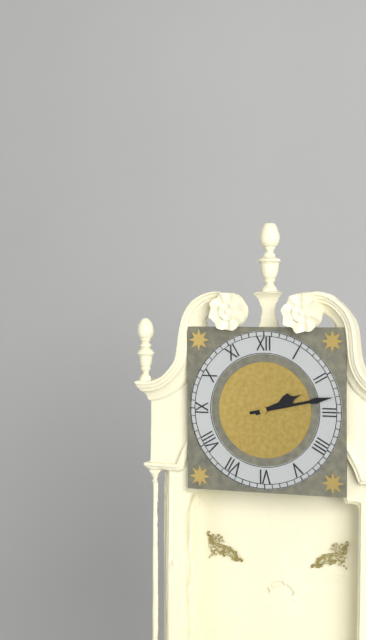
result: **2:13**
